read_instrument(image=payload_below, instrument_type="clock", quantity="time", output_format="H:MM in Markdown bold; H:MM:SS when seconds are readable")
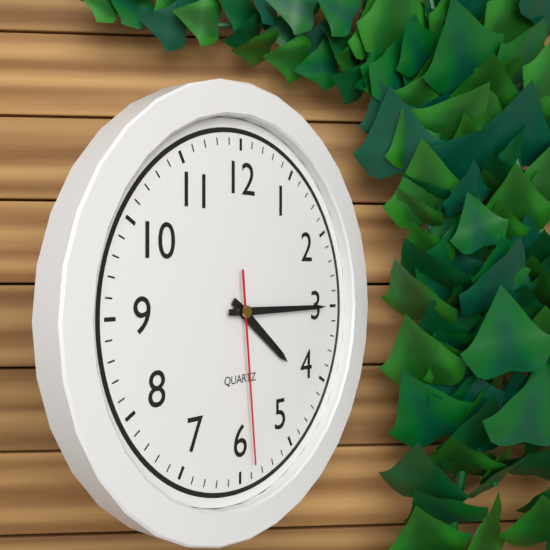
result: **4:15:29**
